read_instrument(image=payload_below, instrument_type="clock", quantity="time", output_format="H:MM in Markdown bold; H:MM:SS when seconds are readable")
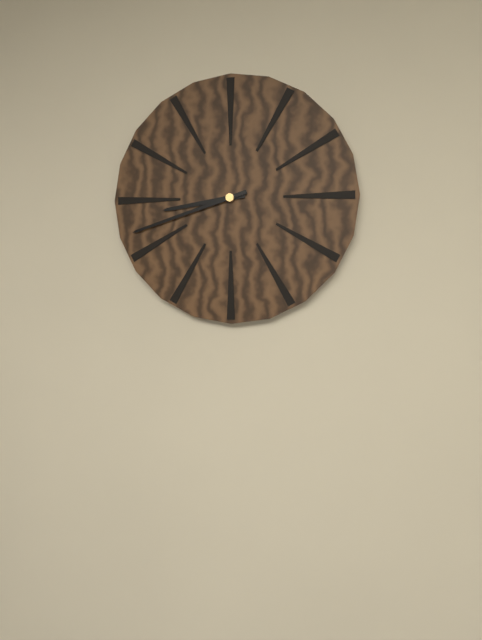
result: **8:42**
